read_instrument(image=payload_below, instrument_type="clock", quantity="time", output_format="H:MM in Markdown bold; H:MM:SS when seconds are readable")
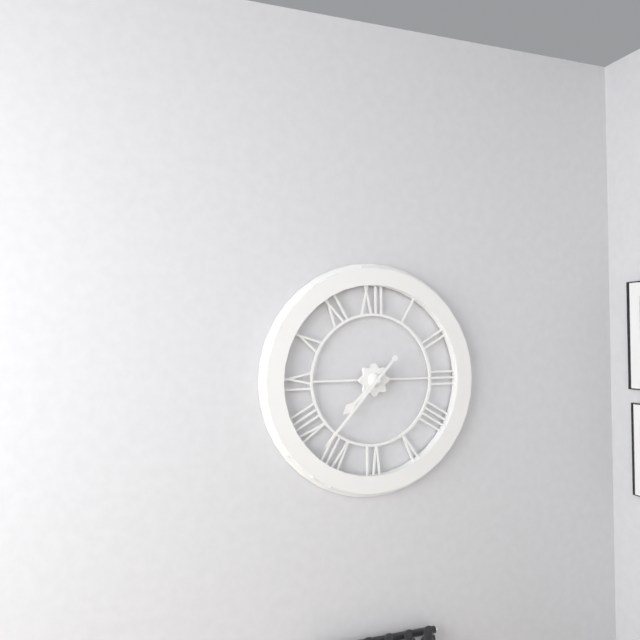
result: **7:37**
